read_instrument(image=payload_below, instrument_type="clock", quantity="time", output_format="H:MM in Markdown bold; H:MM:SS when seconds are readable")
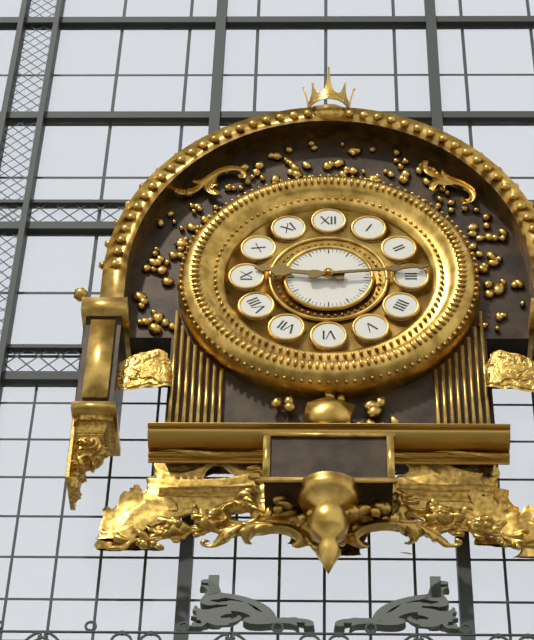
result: **9:14**
